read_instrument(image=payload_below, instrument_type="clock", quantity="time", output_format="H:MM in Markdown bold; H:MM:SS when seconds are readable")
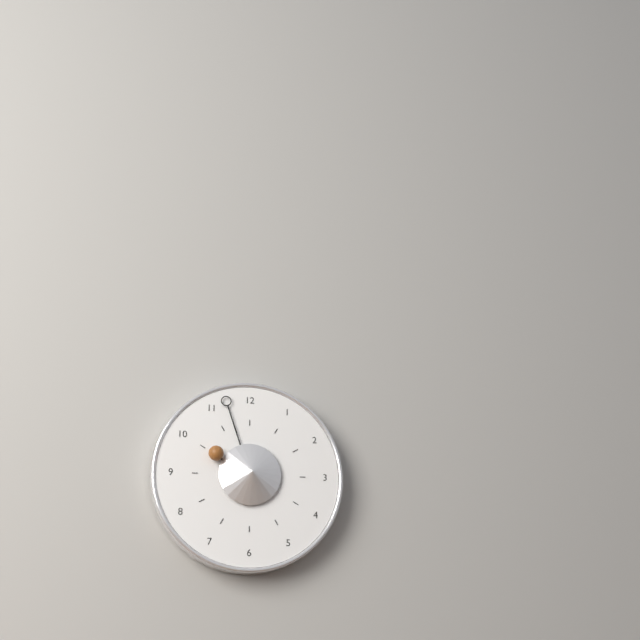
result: **9:57**
